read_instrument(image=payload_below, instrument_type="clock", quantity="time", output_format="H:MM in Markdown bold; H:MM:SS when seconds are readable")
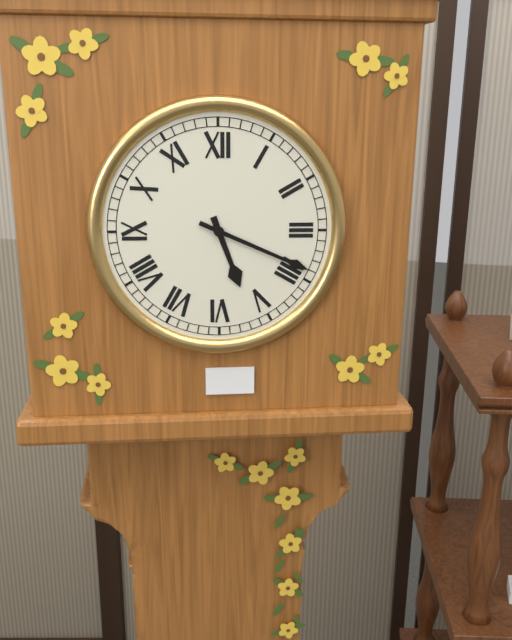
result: **5:19**
